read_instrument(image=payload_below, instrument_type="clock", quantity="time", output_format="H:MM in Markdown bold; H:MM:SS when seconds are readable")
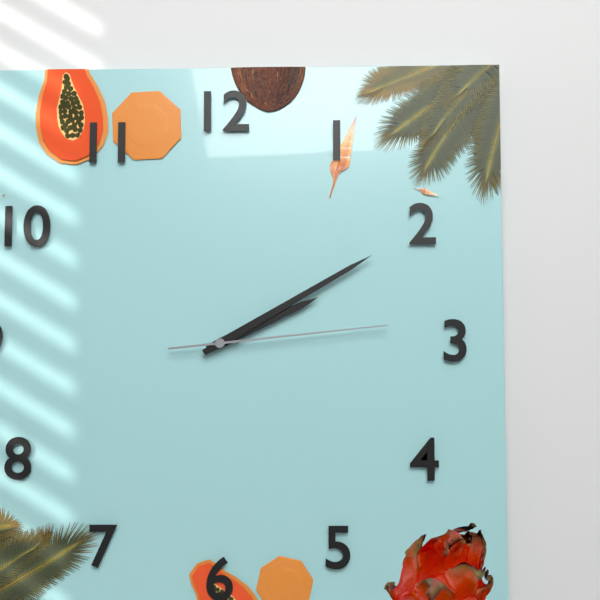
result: **2:10:14**
